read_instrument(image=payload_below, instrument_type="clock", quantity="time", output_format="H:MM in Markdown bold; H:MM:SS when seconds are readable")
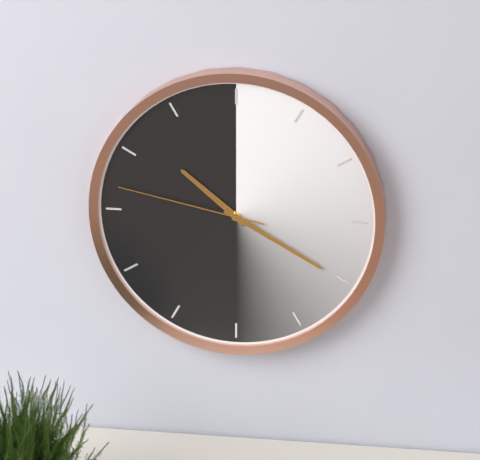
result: **10:20:47**
